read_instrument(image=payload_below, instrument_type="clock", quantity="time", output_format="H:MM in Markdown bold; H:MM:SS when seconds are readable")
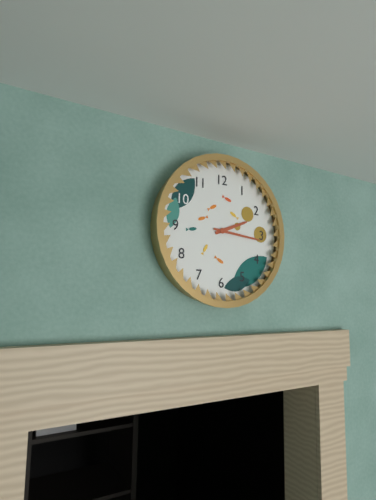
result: **2:16**
